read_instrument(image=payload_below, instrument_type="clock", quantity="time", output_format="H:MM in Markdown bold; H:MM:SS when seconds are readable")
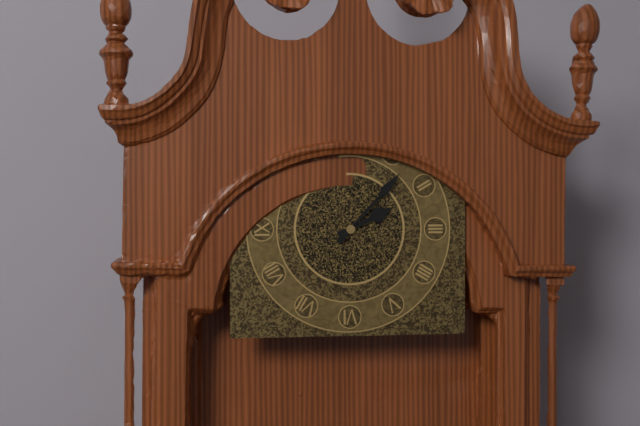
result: **2:07**
